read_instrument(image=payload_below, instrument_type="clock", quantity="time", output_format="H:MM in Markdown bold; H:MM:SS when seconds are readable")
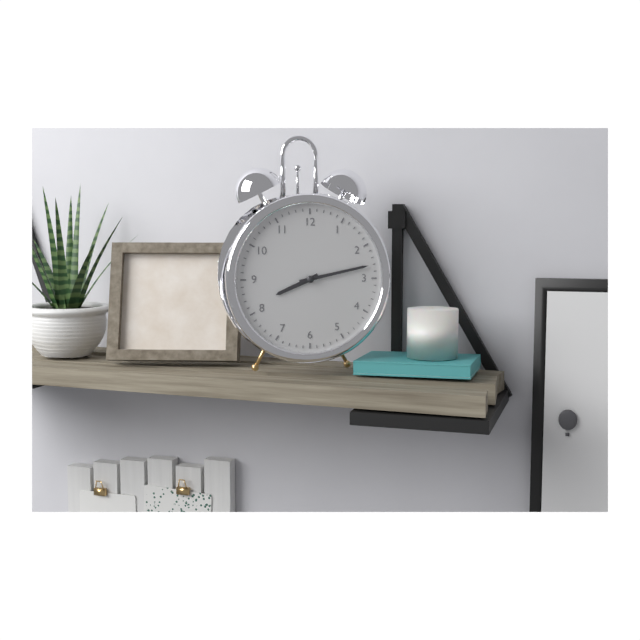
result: **8:13**
